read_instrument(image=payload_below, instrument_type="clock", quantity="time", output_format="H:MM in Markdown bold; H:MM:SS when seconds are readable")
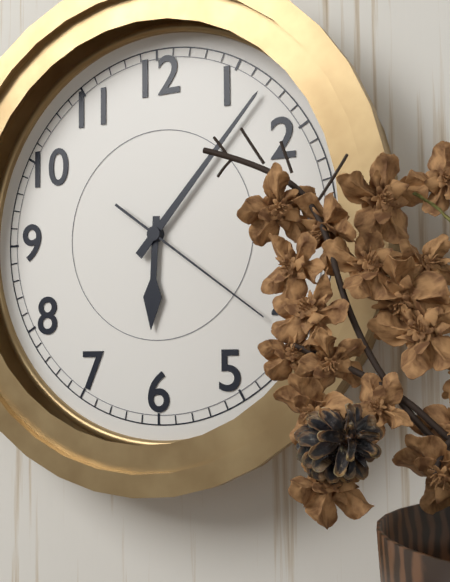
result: **6:07:21**
